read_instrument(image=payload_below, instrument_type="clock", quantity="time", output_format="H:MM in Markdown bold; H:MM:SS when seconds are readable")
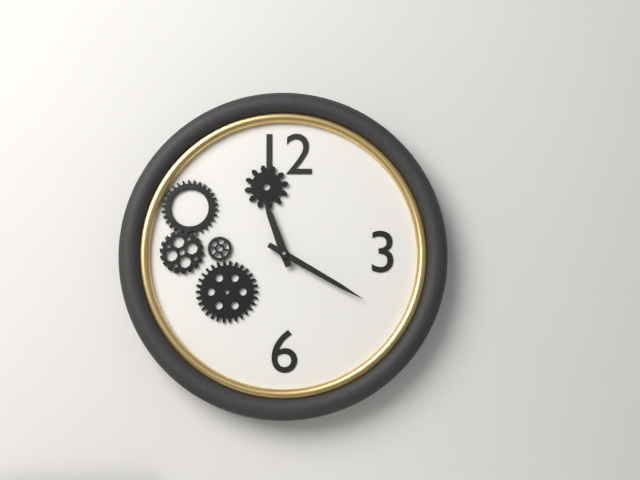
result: **11:20**
